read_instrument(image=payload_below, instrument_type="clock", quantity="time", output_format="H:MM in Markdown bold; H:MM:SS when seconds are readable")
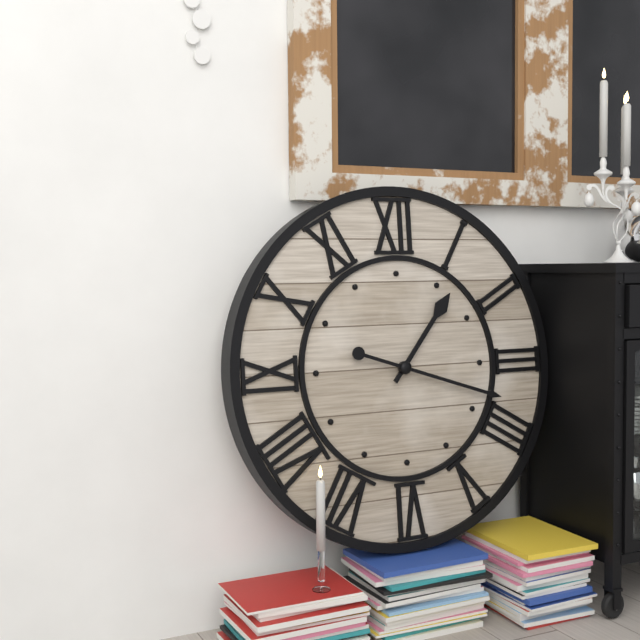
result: **1:18**
